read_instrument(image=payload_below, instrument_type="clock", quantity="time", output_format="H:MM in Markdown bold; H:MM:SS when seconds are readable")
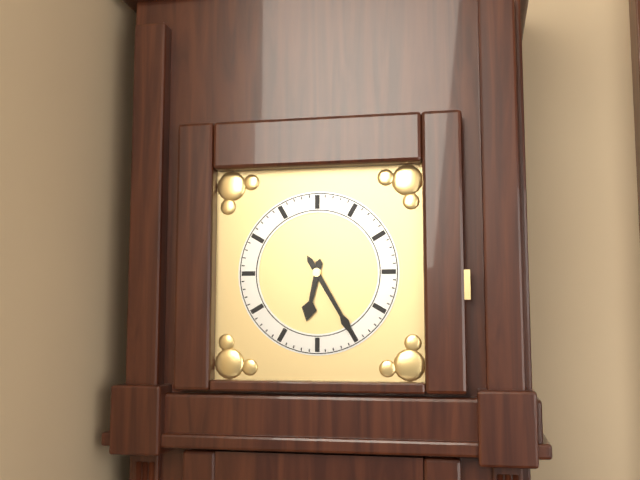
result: **6:25**
